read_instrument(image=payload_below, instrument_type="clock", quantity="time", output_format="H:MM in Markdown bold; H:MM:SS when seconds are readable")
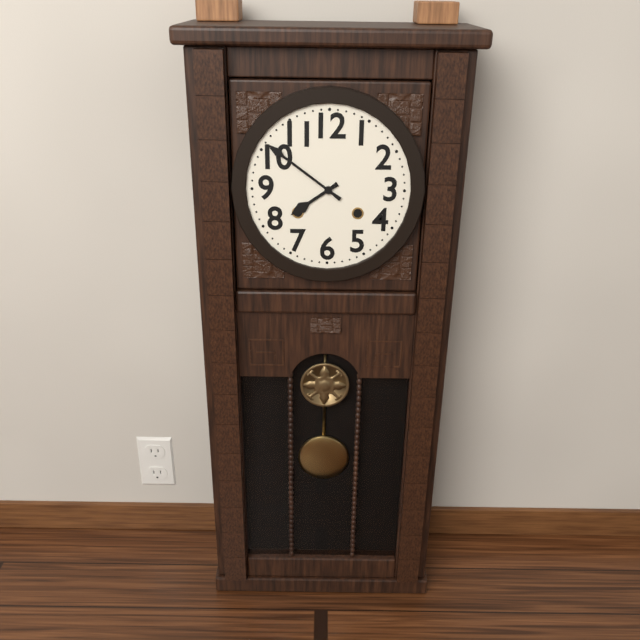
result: **7:51**
